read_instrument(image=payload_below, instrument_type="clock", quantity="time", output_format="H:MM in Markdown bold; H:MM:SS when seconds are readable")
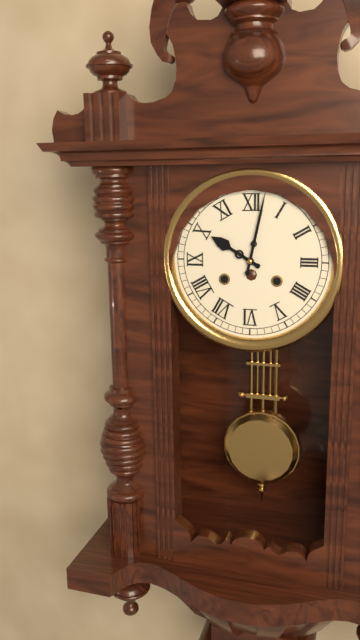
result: **10:02**
